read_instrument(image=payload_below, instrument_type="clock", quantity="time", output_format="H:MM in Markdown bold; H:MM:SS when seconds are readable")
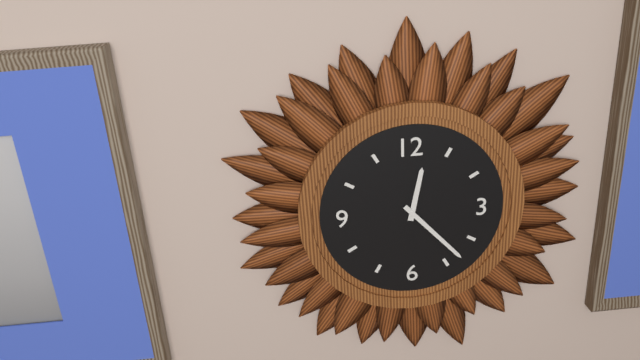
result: **12:23**
